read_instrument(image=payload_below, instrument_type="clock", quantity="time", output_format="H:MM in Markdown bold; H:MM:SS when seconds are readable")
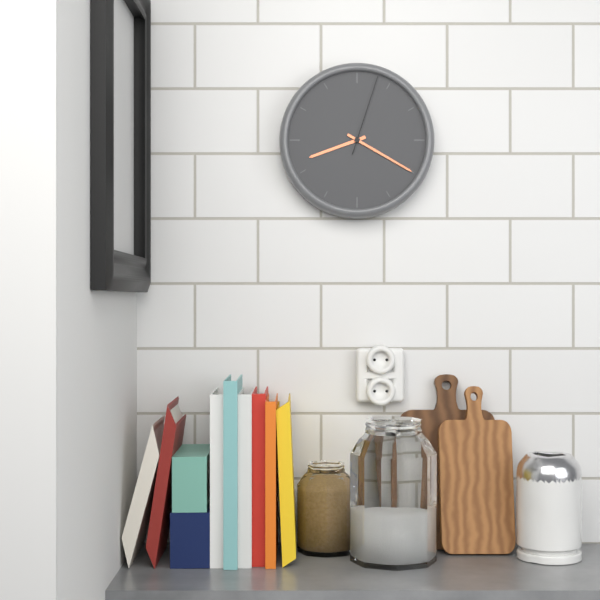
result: **8:20:03**
